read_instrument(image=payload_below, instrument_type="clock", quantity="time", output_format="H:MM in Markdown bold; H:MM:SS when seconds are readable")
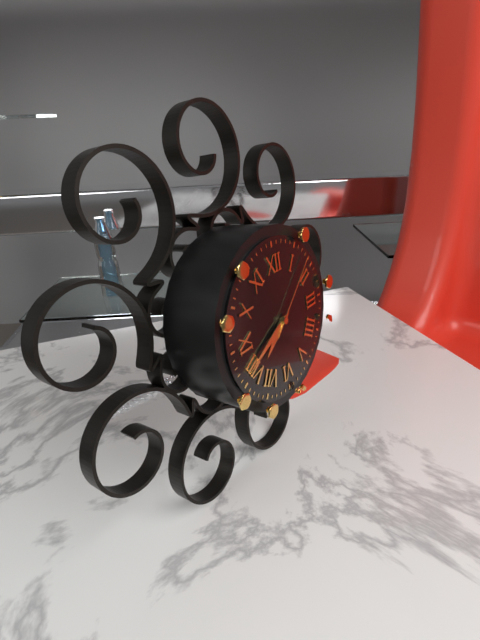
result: **7:41:08**
